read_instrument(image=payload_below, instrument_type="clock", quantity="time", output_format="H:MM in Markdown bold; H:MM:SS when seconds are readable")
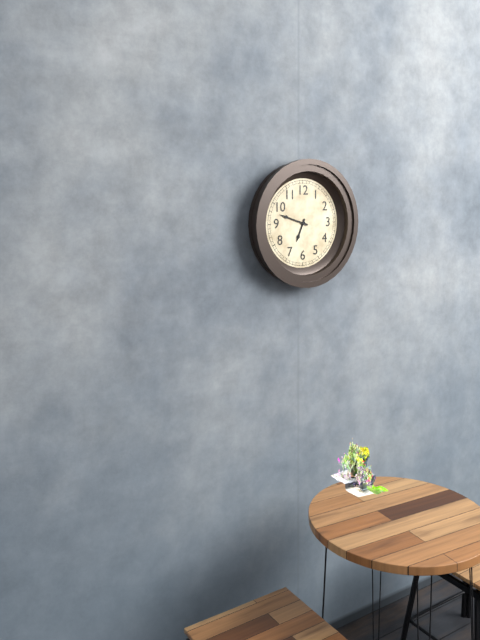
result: **6:48**
